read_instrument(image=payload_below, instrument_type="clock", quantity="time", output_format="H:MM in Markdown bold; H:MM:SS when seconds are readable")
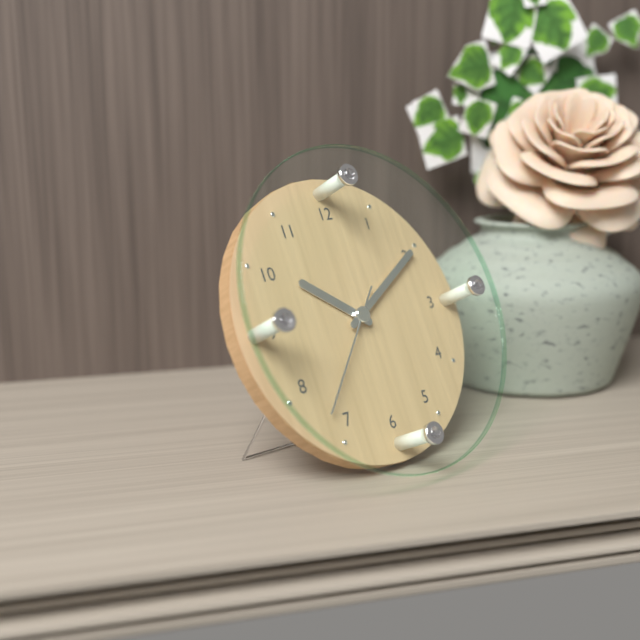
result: **10:10:37**
